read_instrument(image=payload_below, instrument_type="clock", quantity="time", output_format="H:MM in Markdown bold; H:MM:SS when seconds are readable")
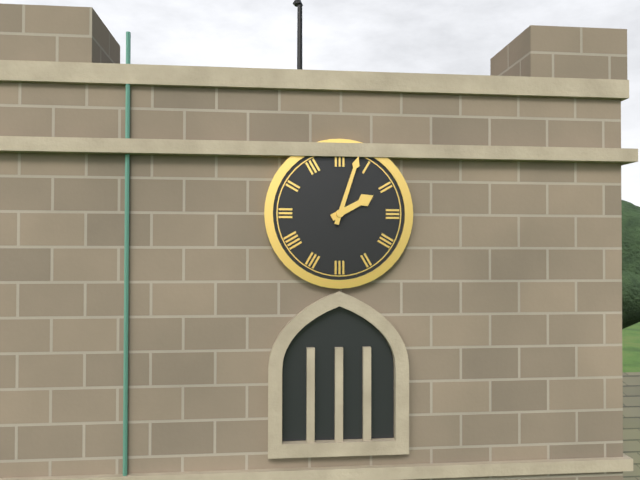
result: **2:03**
